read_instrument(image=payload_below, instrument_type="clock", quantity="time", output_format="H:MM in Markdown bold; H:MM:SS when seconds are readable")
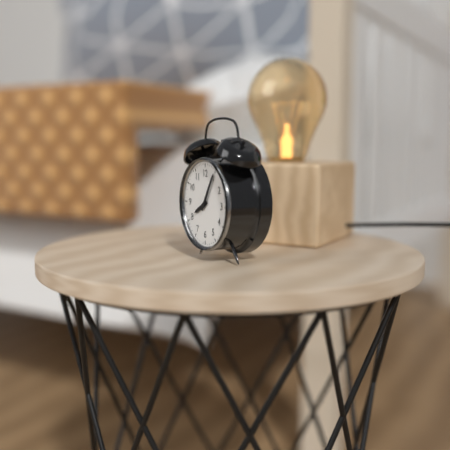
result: **8:05**
